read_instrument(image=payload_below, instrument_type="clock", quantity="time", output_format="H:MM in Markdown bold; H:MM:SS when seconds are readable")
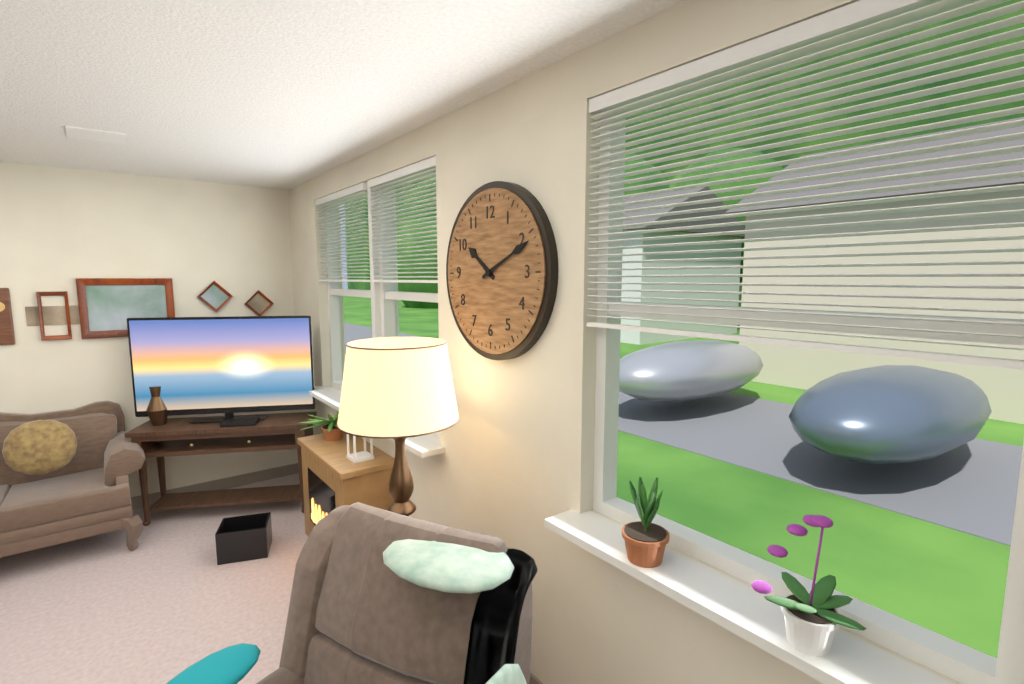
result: **10:11**
